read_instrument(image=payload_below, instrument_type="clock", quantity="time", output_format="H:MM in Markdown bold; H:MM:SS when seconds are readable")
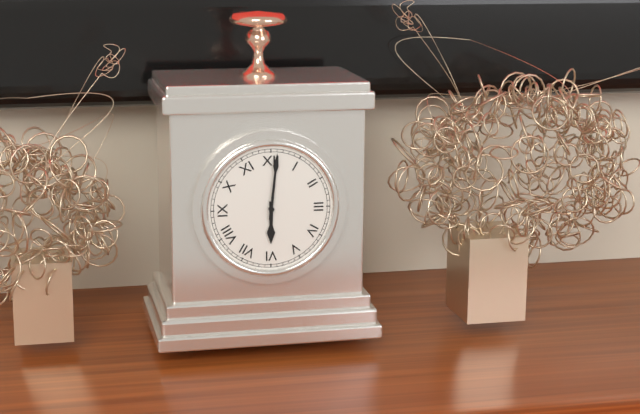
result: **6:01**
